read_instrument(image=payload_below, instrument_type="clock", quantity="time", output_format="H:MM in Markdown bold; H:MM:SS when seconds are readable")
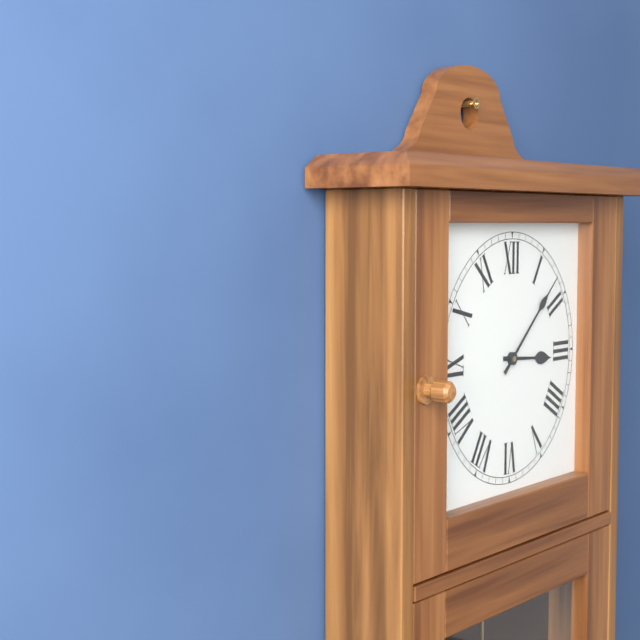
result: **3:08**
